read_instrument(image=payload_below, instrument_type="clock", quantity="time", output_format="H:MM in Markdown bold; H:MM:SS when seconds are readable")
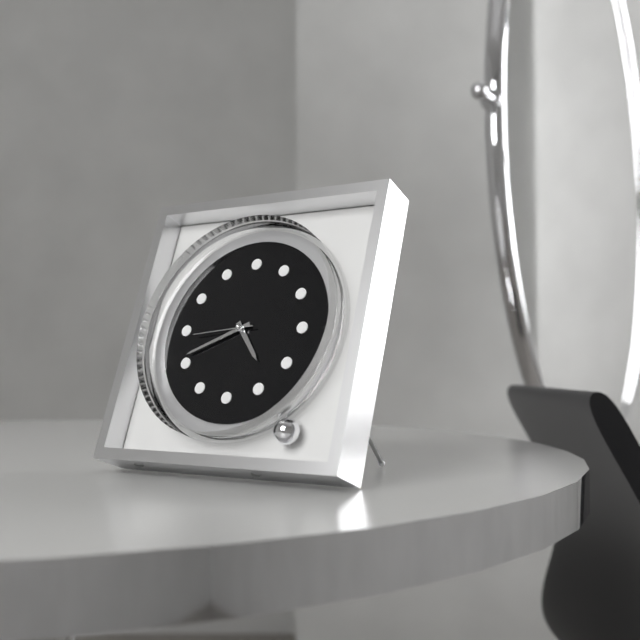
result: **4:41:44**
